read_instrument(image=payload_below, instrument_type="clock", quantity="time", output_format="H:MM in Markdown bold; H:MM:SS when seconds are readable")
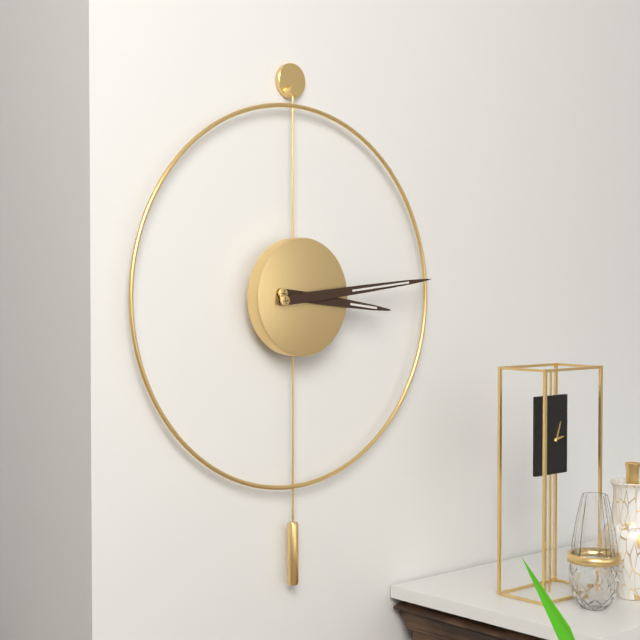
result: **3:14**
